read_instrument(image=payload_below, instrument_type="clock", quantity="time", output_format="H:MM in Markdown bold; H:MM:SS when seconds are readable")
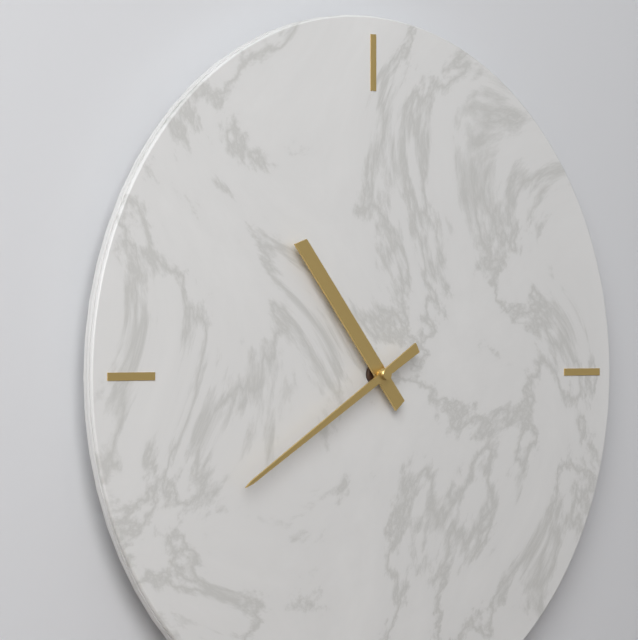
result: **10:40**
